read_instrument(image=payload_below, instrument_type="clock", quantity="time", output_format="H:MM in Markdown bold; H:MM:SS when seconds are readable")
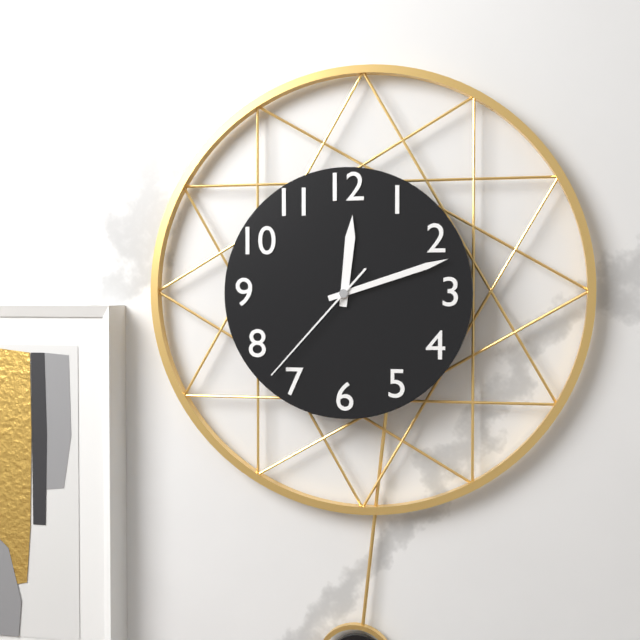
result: **12:12:37**
